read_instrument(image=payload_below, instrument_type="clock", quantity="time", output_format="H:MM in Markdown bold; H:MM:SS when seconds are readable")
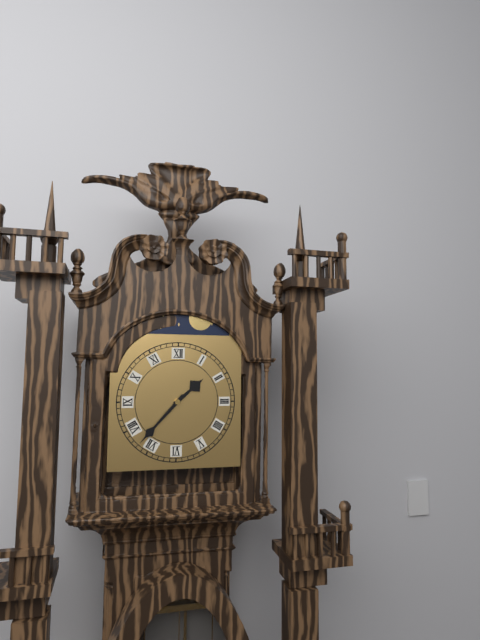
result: **1:37**
